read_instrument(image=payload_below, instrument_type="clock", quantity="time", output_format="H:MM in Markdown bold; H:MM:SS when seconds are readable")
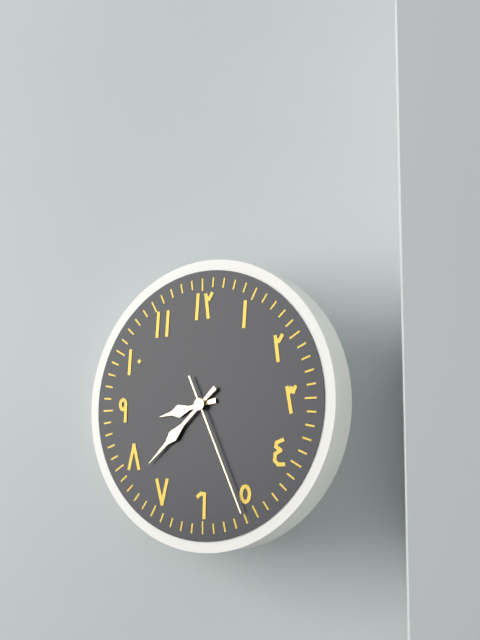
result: **8:38:26**
